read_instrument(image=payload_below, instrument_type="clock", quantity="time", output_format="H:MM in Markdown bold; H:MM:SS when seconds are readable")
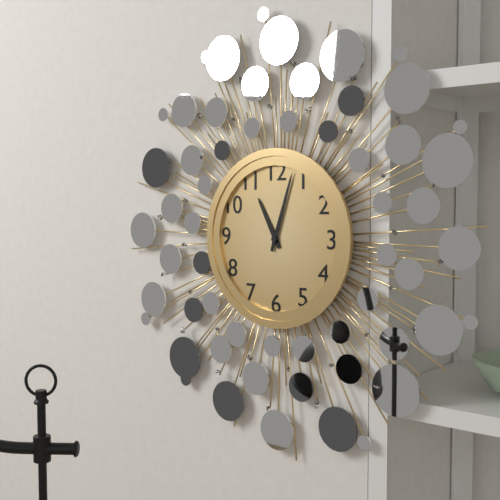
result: **11:03**
